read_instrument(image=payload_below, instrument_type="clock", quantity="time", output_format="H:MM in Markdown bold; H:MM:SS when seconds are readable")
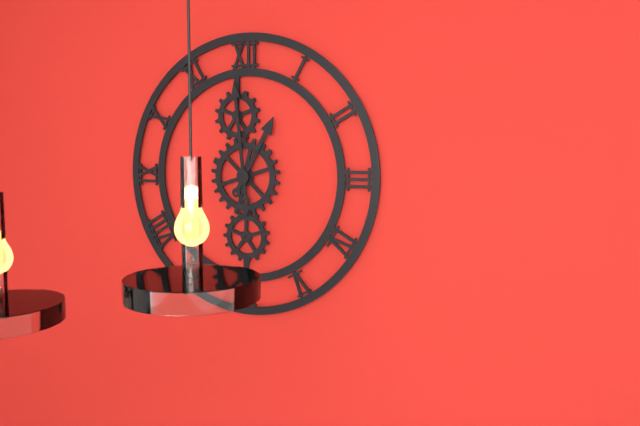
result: **12:59**
